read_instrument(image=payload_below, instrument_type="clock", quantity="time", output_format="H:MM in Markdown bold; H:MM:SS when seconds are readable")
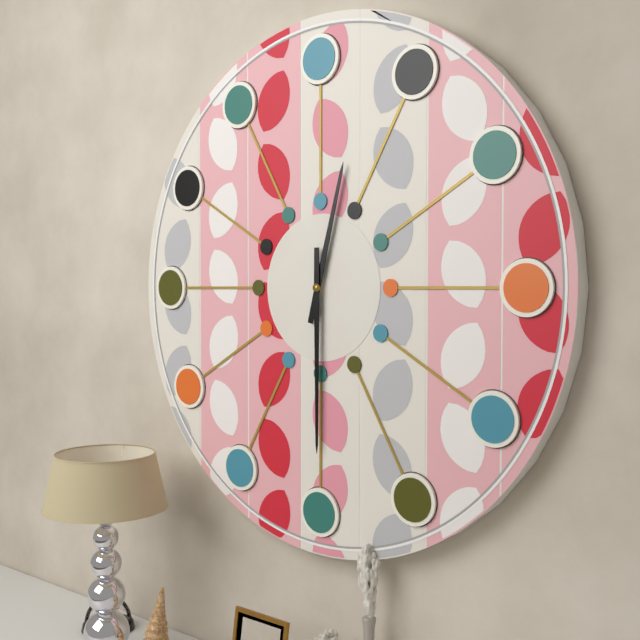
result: **12:30**
